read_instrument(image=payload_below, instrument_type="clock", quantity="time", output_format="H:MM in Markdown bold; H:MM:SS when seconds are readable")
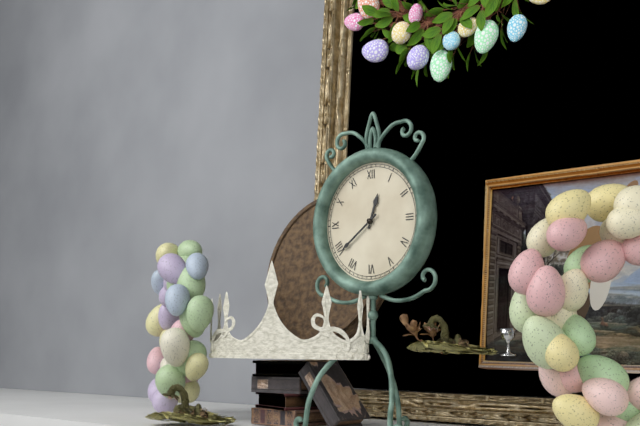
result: **12:39**
